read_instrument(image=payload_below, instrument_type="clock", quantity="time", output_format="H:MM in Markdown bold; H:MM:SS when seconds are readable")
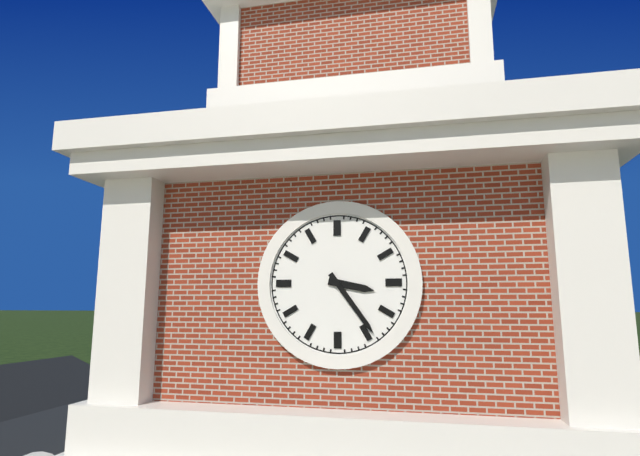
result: **3:24**
